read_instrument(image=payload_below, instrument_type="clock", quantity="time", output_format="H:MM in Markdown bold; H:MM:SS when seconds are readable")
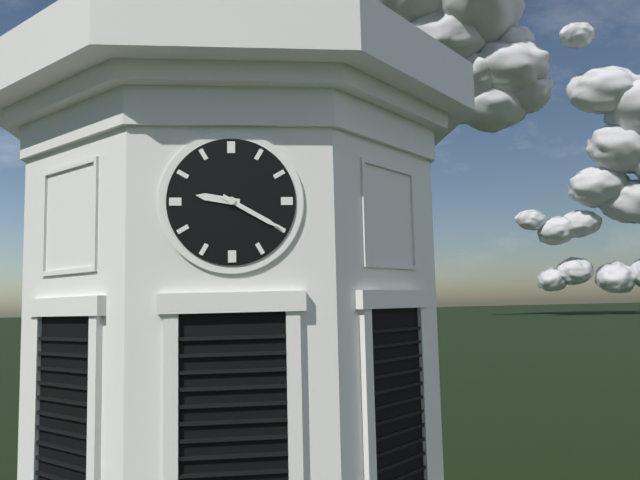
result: **9:20**
